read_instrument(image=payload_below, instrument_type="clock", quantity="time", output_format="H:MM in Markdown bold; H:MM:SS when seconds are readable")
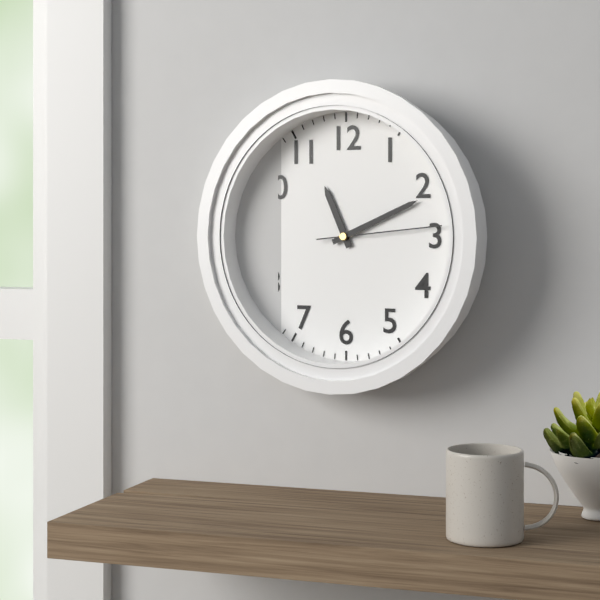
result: **11:11:14**
